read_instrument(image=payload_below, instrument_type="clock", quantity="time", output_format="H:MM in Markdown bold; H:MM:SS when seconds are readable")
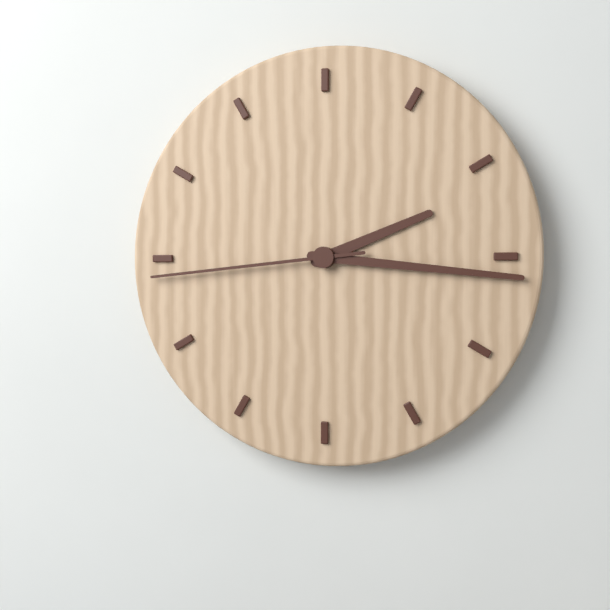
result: **2:16:44**
